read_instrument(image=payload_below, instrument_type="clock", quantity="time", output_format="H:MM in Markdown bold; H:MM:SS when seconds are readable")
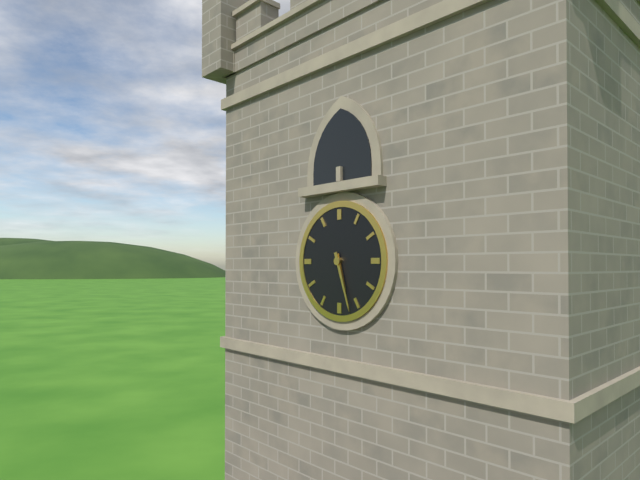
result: **5:27**
